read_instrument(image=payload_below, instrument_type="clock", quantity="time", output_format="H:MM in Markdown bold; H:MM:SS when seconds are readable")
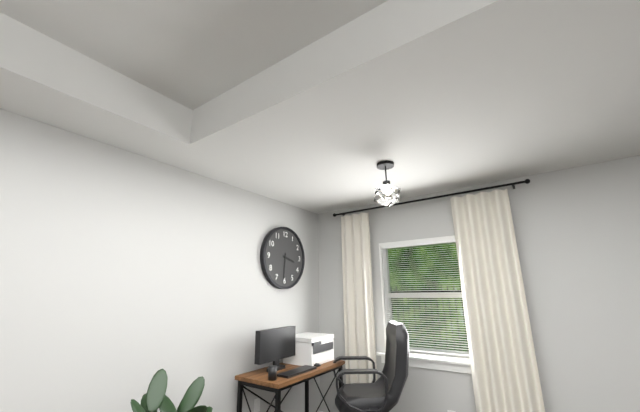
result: **3:31**
